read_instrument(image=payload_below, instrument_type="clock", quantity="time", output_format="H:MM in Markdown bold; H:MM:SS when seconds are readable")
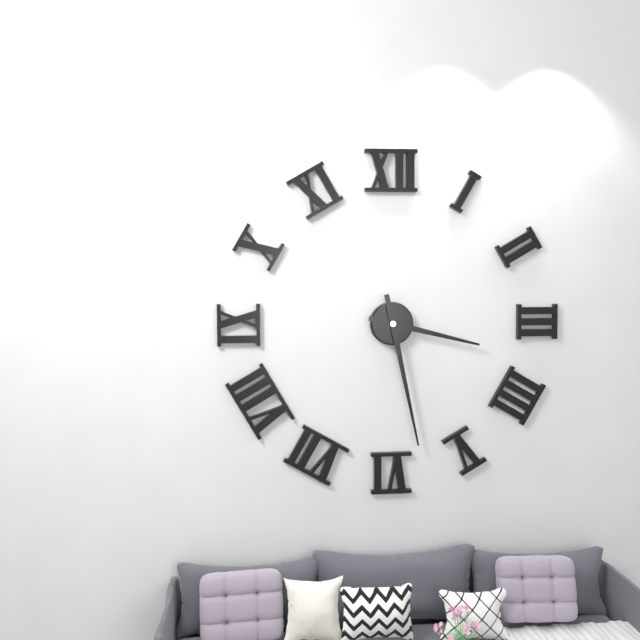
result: **3:28**
